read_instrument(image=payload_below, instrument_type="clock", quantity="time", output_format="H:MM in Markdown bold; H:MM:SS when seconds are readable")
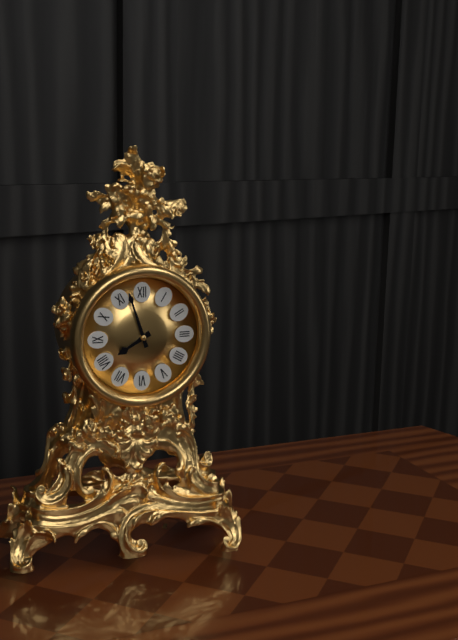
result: **7:57**
